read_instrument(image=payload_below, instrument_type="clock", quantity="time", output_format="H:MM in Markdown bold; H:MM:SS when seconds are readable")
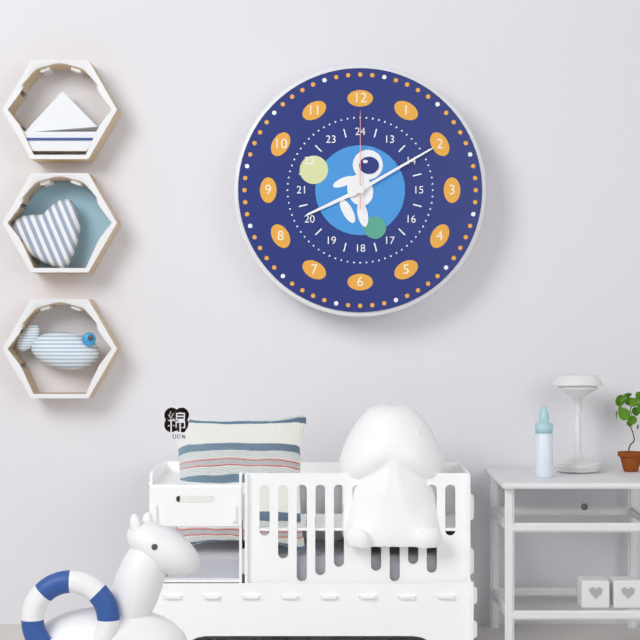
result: **8:10:00**
